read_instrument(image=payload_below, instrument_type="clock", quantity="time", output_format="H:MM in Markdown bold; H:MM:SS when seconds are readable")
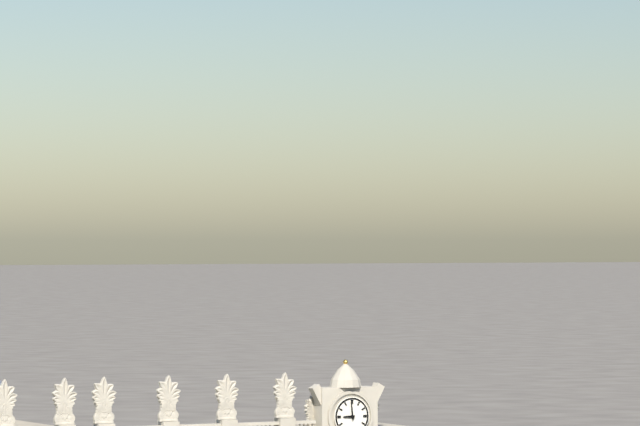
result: **8:59**
